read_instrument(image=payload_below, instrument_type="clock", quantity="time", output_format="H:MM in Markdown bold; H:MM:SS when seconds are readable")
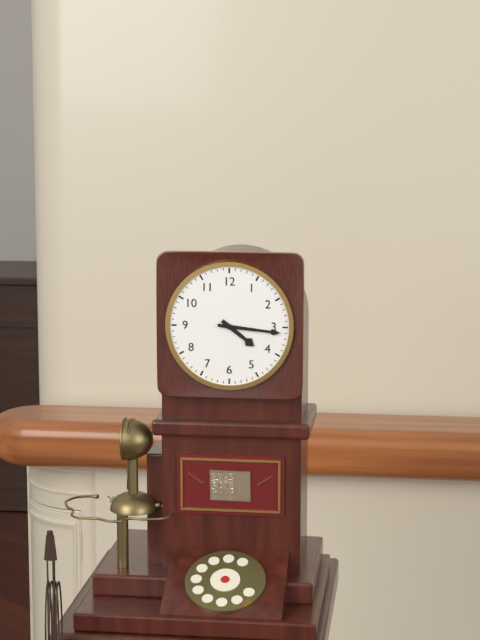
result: **4:16**
